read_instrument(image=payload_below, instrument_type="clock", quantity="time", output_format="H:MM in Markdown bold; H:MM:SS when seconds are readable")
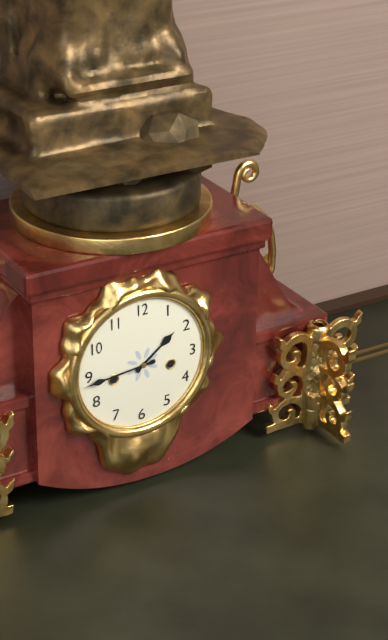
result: **1:44**
